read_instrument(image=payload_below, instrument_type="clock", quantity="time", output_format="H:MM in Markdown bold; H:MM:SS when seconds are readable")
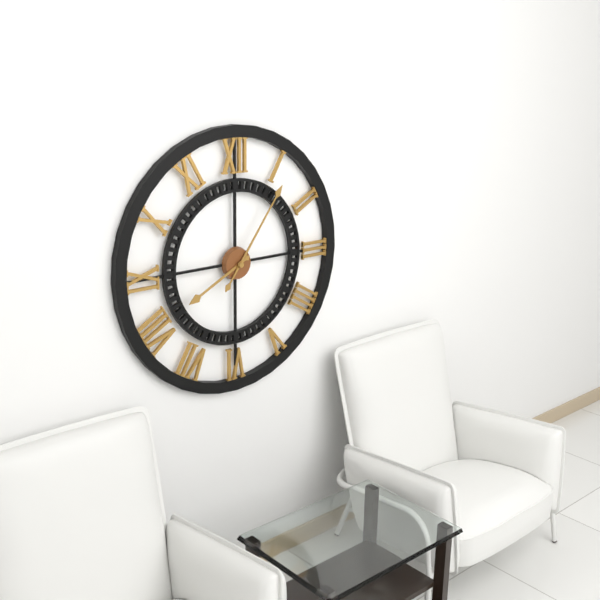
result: **8:06**
